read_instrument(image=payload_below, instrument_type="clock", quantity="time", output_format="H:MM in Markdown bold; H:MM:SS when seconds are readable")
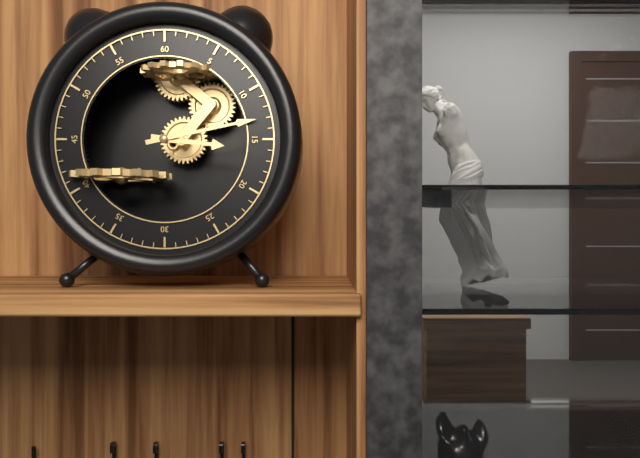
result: **3:13**
